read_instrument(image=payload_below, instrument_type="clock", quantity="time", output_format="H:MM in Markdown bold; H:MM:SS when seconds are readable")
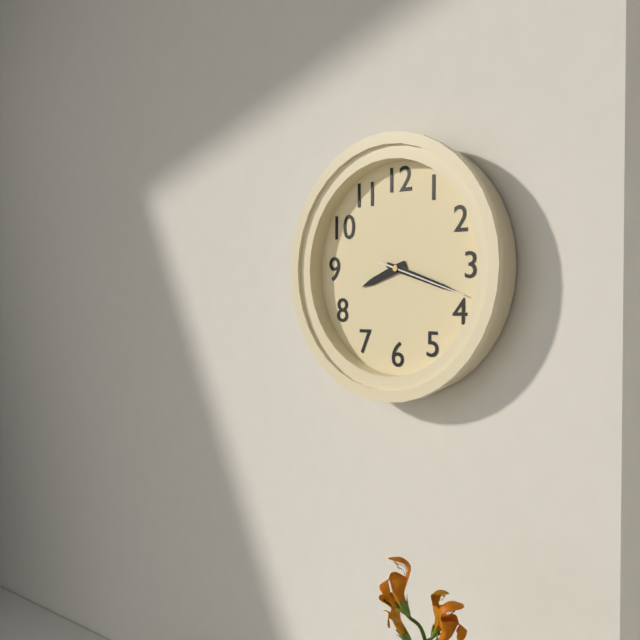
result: **8:18:18**
